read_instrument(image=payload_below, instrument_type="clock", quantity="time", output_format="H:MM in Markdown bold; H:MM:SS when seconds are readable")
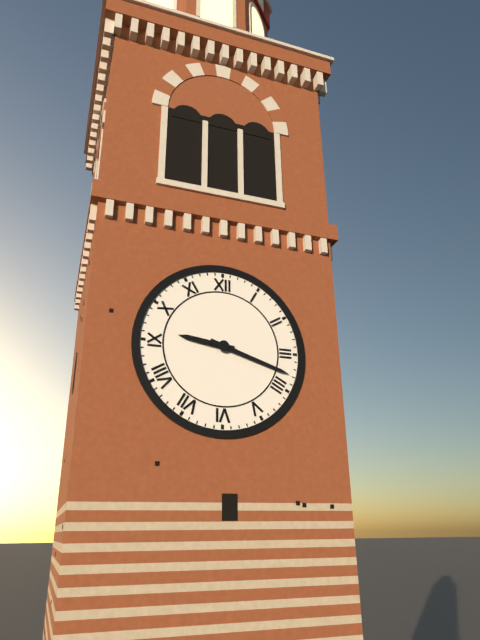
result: **9:18**
